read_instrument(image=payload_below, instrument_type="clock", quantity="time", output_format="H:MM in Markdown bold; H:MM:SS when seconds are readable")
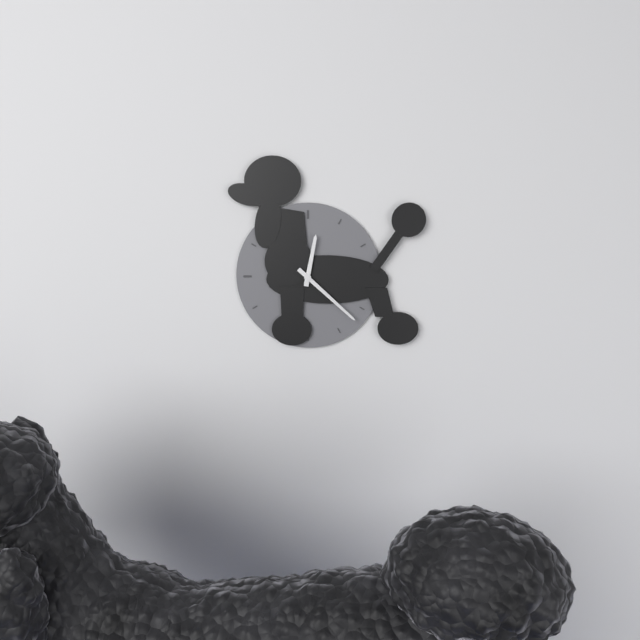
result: **12:22**
